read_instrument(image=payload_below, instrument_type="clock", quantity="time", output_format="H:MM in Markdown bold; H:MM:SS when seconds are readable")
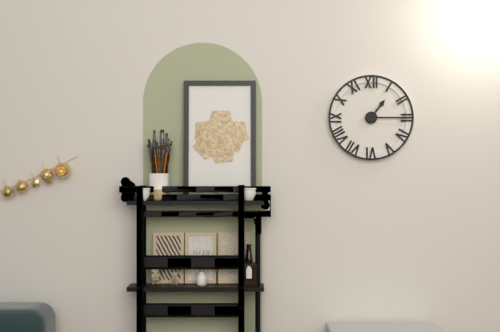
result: **1:15**
